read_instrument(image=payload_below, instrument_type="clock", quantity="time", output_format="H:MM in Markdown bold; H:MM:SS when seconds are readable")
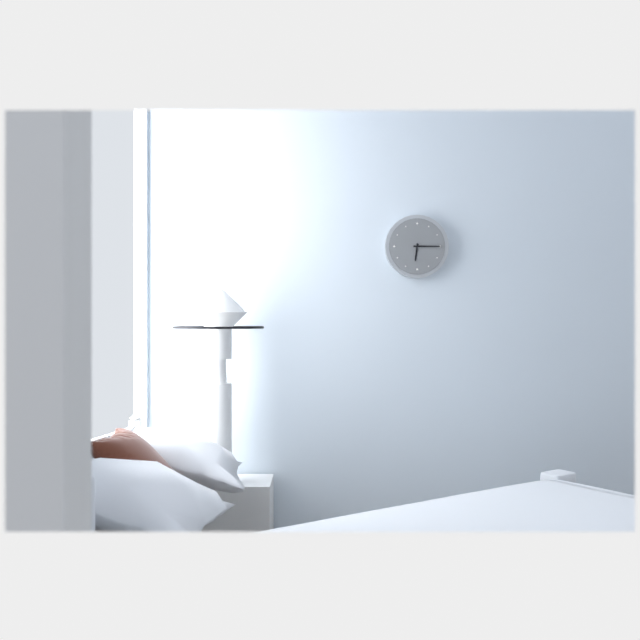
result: **6:15**
